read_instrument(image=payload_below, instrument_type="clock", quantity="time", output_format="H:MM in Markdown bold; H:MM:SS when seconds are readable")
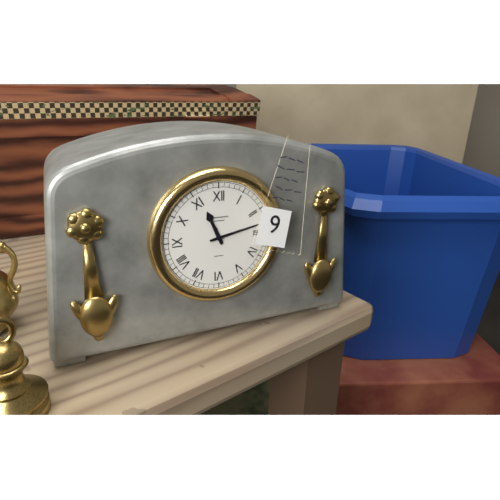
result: **11:13**
